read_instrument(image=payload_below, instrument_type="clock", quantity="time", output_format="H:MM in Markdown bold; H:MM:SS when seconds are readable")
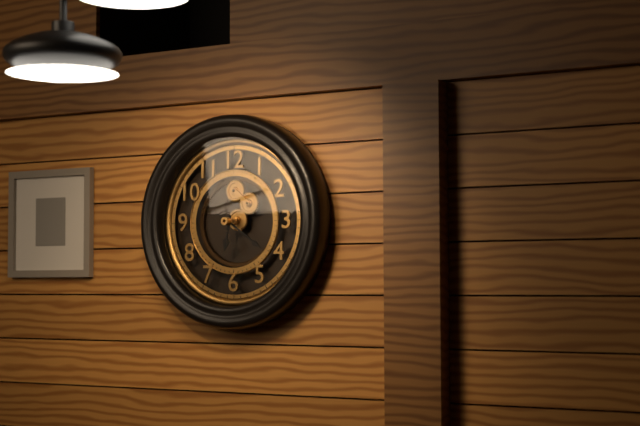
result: **6:21**
